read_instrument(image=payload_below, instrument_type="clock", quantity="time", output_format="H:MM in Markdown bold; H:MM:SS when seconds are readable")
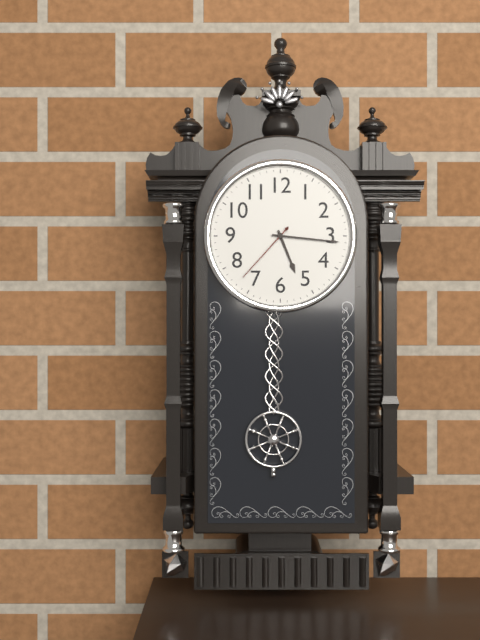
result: **5:16:37**
